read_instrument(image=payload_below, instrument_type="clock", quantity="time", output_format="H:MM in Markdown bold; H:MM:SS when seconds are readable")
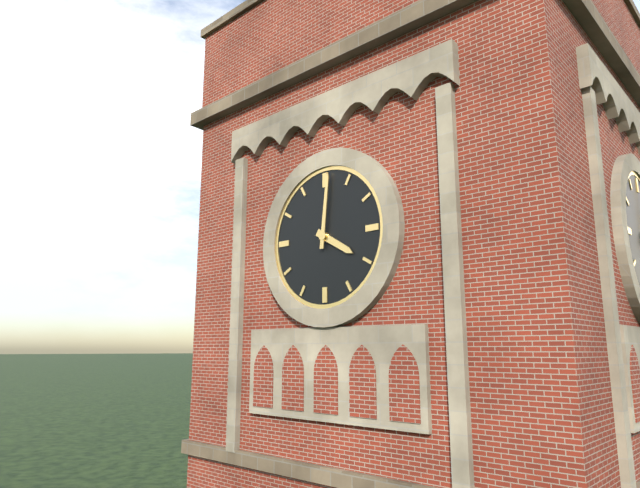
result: **4:01**
